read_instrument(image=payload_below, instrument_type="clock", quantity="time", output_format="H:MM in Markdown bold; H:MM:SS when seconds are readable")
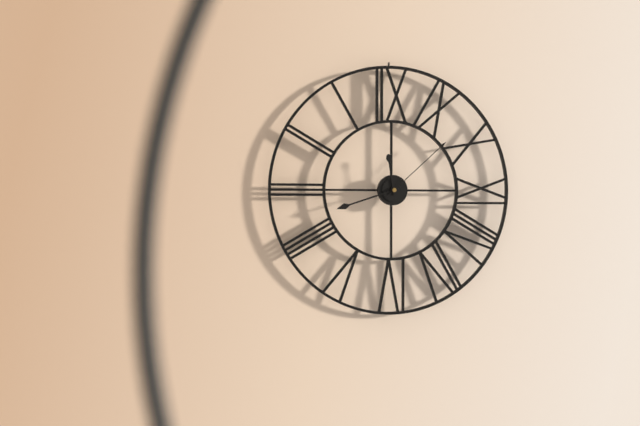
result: **11:42:08**
